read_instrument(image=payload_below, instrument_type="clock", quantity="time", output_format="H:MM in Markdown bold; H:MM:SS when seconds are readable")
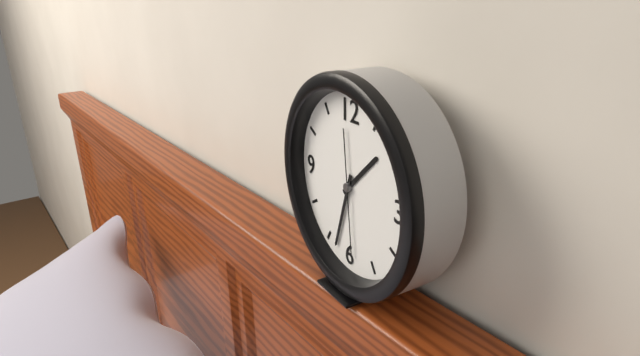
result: **1:33:29**
